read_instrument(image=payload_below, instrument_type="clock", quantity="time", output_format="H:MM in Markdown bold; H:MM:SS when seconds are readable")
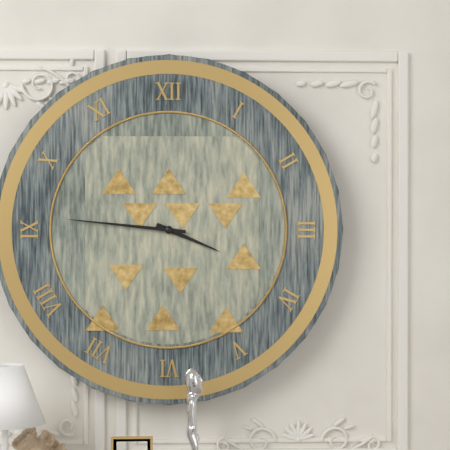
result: **3:46**
